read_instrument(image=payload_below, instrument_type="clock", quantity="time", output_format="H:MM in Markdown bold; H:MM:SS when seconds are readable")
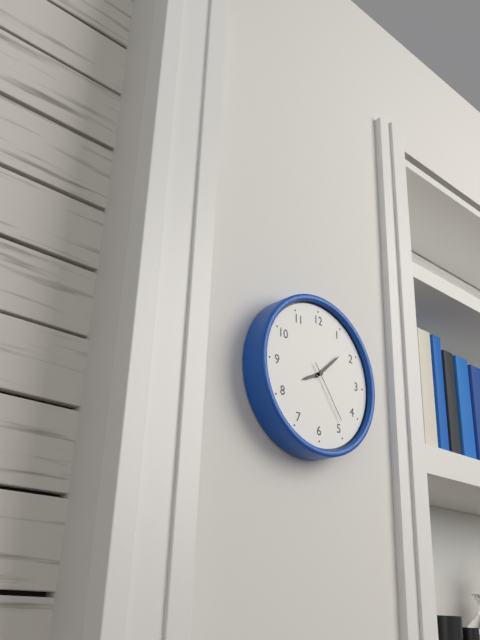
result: **8:08:24**
